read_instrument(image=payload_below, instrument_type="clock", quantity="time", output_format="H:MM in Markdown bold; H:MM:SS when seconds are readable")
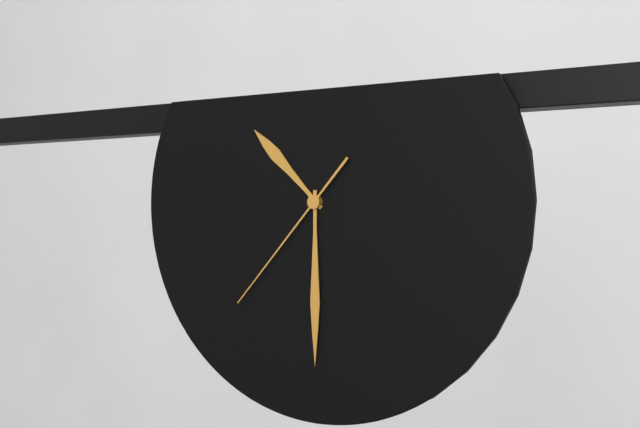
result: **10:30:37**
